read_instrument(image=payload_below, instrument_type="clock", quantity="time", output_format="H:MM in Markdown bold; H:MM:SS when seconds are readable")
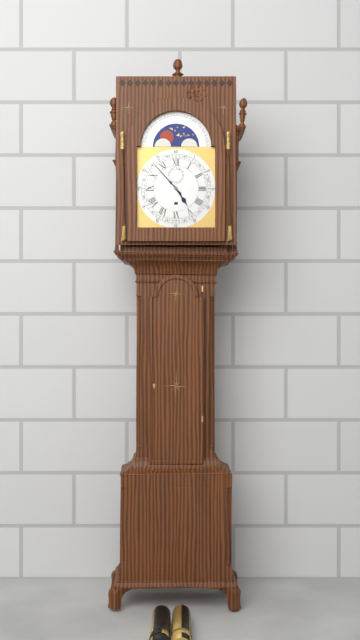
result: **4:53**
